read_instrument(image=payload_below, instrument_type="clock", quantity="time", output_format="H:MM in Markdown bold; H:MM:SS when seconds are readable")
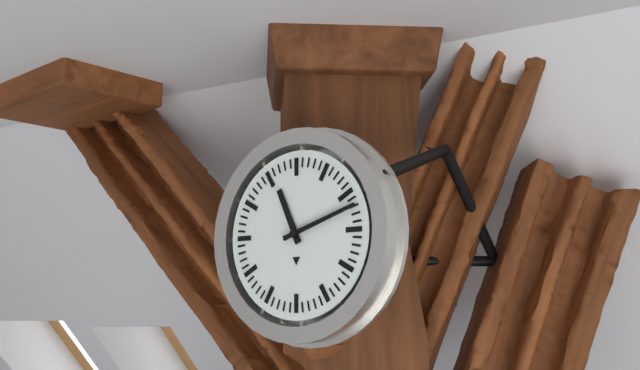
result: **11:12**
